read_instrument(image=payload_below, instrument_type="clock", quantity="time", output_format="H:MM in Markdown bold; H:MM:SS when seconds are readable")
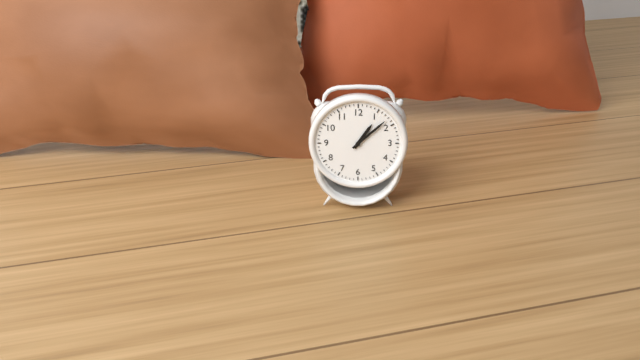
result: **1:08**
